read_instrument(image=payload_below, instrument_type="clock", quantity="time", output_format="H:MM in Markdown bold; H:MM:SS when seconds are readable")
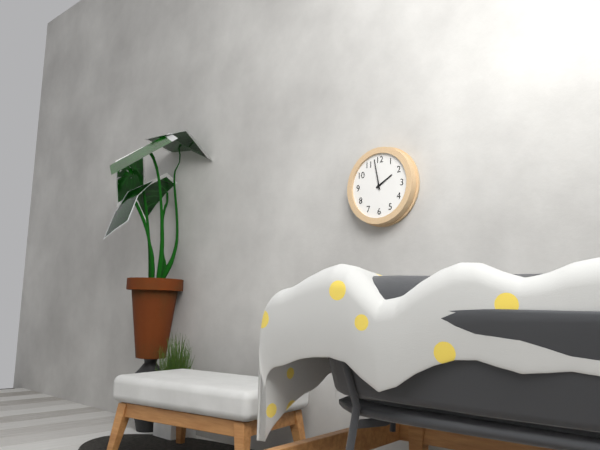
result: **1:58**
